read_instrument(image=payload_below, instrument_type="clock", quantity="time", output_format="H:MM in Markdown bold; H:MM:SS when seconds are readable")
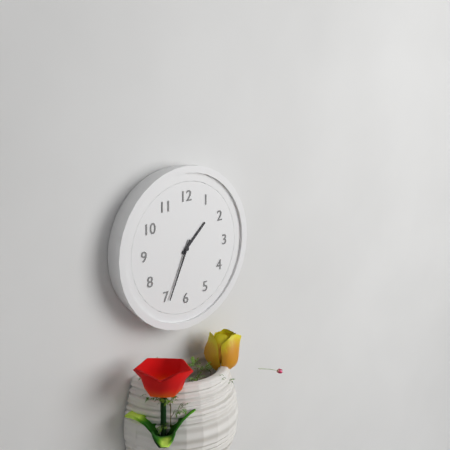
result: **1:34**
